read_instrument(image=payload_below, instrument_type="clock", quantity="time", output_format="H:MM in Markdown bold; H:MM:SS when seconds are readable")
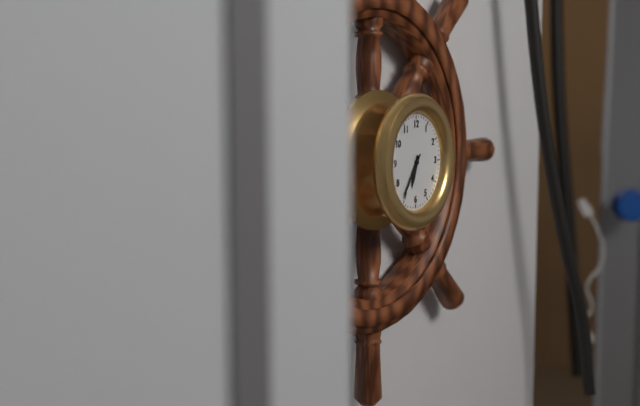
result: **6:36**
